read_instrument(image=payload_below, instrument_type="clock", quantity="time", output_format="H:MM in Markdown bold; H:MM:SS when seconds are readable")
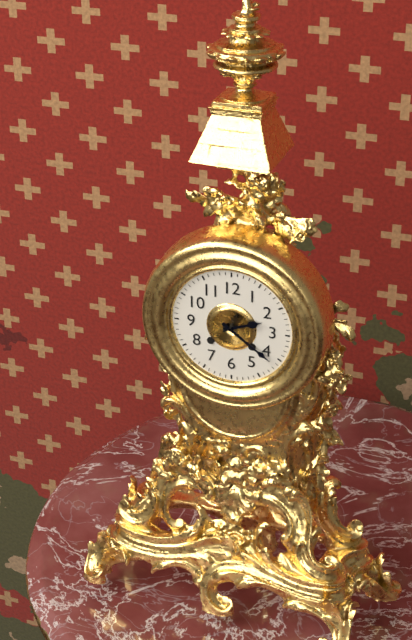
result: **2:21**
